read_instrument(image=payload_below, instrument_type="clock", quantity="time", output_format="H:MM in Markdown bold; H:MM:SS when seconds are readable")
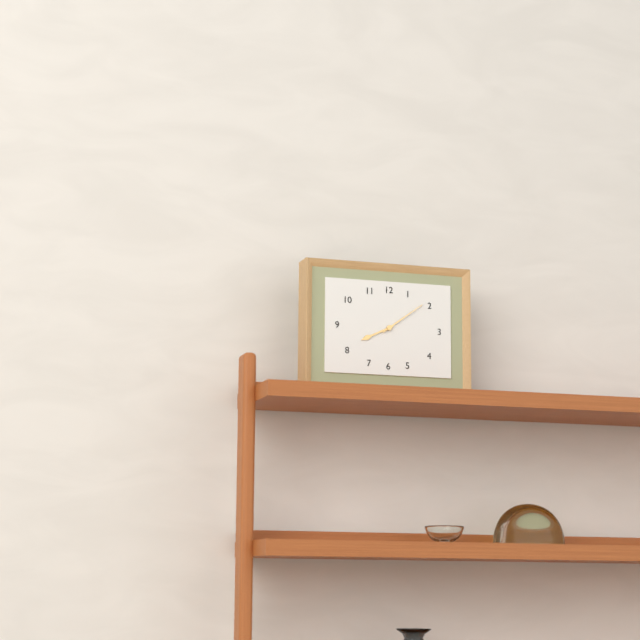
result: **8:09**
